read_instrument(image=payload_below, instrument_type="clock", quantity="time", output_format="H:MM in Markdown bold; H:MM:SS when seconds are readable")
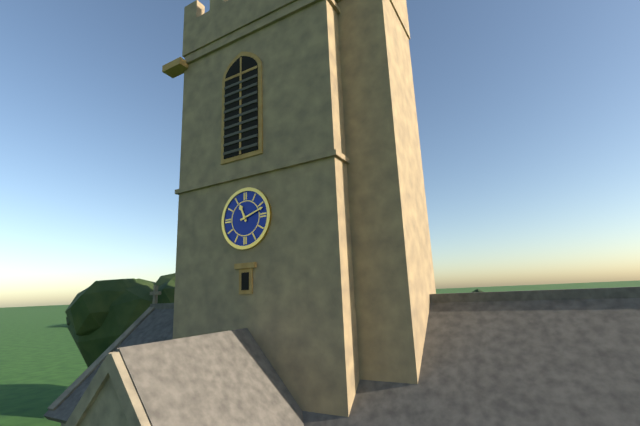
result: **11:12**
